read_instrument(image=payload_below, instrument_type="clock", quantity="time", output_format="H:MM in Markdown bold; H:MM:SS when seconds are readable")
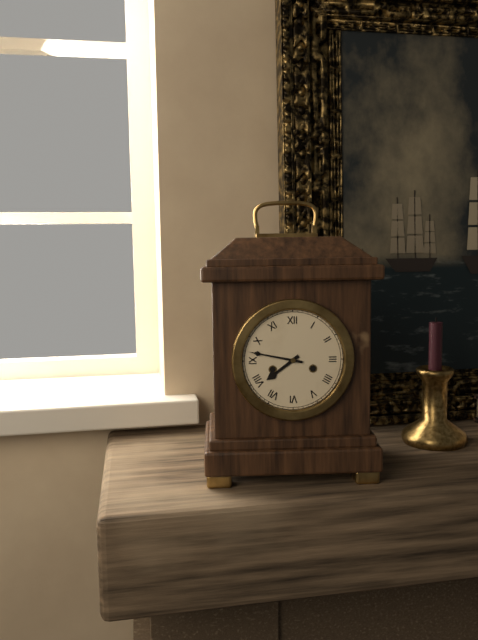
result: **7:47**
